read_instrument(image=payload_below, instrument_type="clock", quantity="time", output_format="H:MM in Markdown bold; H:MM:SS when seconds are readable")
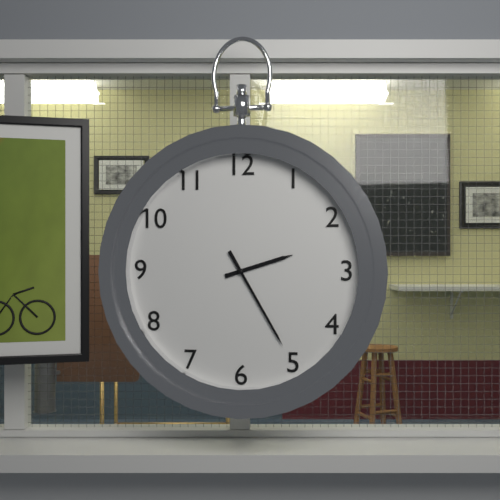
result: **2:25**
